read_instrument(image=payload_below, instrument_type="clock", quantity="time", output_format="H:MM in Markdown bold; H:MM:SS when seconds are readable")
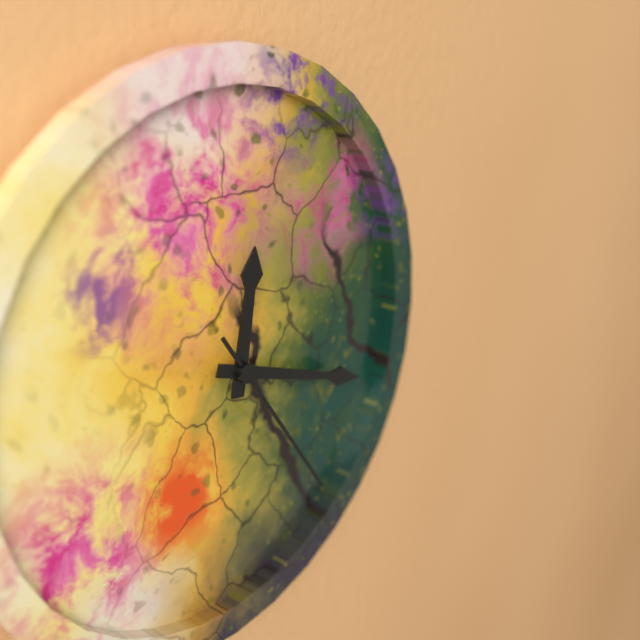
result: **12:18:24**
